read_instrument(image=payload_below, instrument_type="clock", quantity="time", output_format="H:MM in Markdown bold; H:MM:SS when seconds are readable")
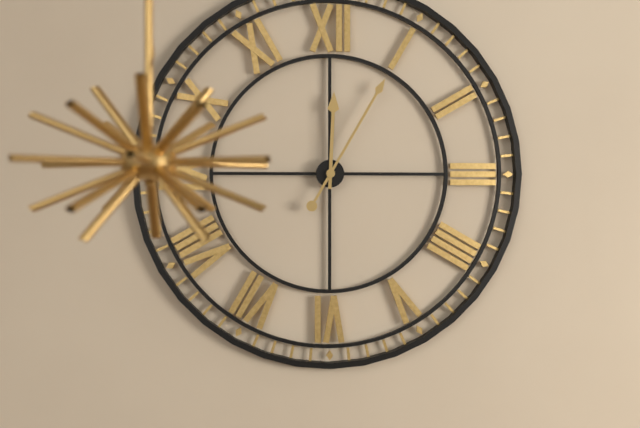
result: **12:05**
